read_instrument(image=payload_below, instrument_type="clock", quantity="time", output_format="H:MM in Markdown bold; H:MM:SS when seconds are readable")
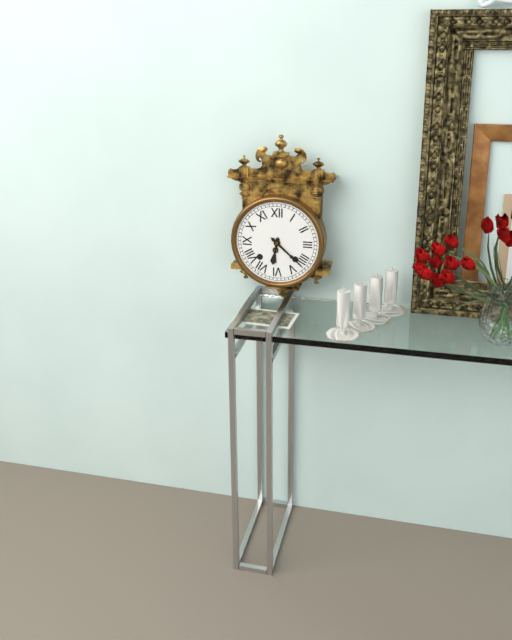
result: **6:22**
